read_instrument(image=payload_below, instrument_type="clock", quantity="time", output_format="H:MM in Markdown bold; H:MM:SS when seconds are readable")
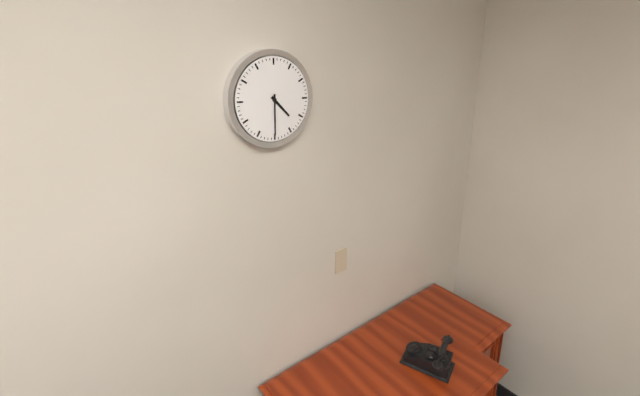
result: **4:30**
